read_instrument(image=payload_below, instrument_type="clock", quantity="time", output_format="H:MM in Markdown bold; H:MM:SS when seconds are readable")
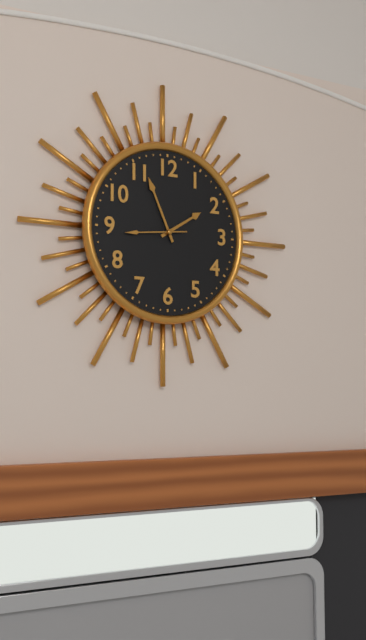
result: **1:56:44**
